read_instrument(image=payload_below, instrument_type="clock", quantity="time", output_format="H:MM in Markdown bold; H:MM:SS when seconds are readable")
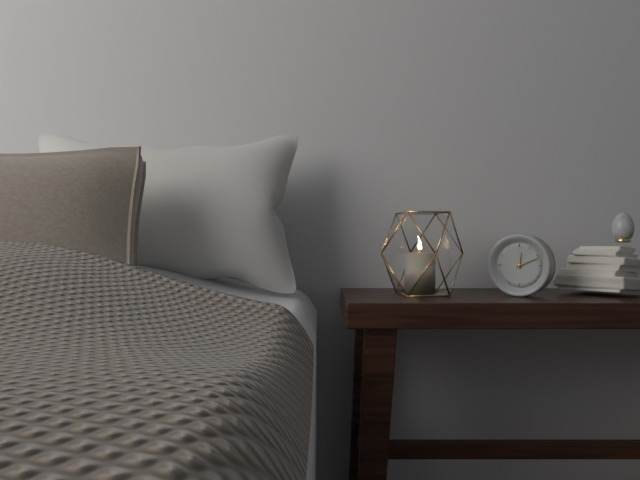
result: **12:11**
